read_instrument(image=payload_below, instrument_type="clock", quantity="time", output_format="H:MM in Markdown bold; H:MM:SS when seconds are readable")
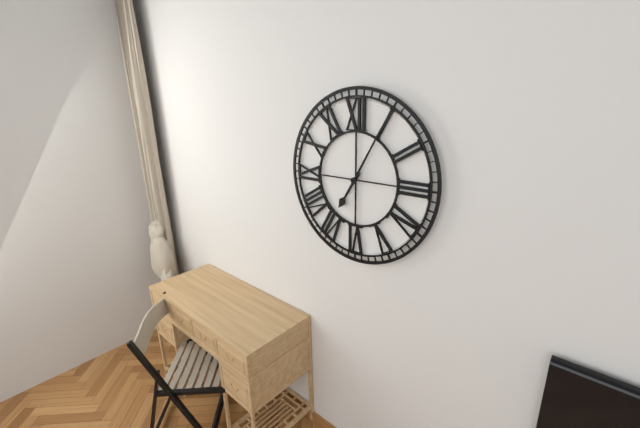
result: **7:05**
